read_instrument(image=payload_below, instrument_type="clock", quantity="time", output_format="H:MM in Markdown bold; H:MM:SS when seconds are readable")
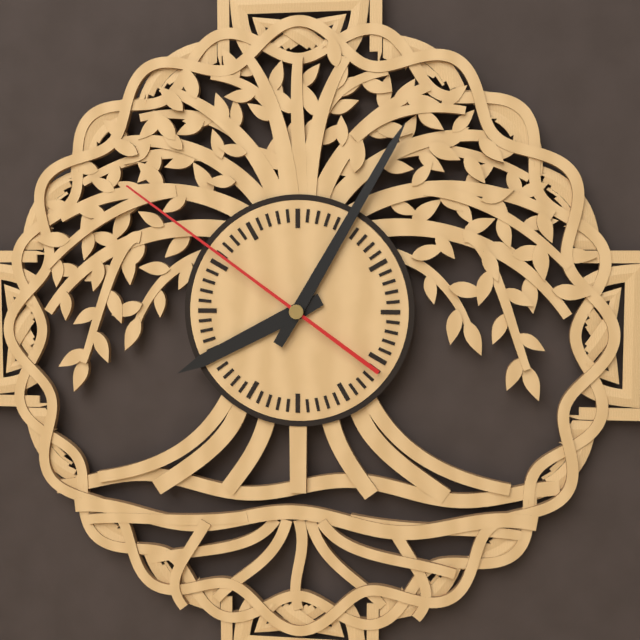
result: **8:05:51**
